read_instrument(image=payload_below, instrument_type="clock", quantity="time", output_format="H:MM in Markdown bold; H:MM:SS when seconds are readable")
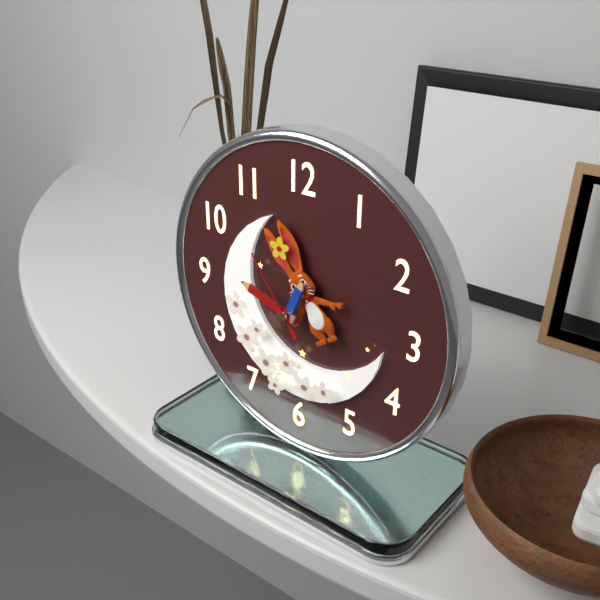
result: **12:48:54**
